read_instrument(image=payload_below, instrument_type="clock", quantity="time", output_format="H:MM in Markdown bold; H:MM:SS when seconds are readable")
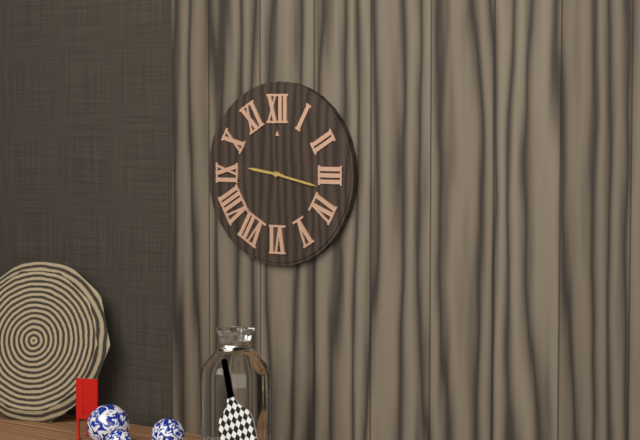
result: **9:17**
